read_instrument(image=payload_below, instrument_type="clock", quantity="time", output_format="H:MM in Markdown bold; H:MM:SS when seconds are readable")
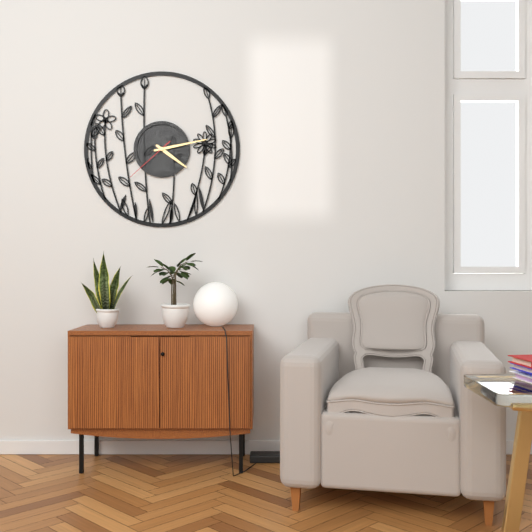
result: **4:13:38**
